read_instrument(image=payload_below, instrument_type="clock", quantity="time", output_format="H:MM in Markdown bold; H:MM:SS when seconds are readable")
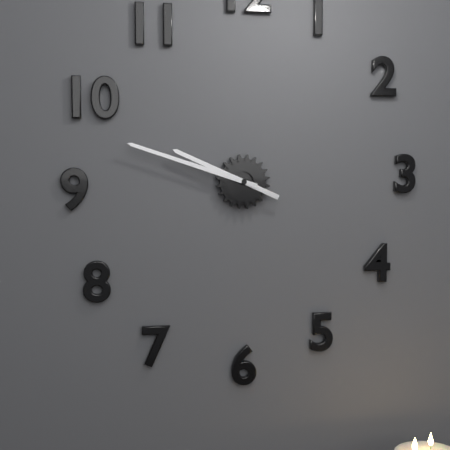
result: **9:48**
